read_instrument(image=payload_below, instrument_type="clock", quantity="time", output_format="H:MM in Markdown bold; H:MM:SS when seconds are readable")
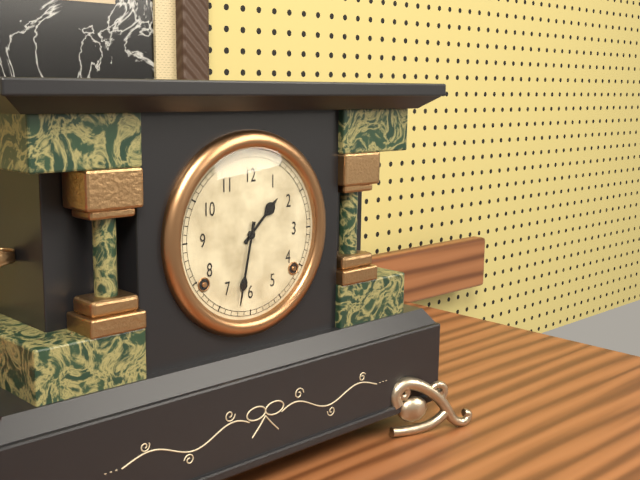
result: **1:32**
